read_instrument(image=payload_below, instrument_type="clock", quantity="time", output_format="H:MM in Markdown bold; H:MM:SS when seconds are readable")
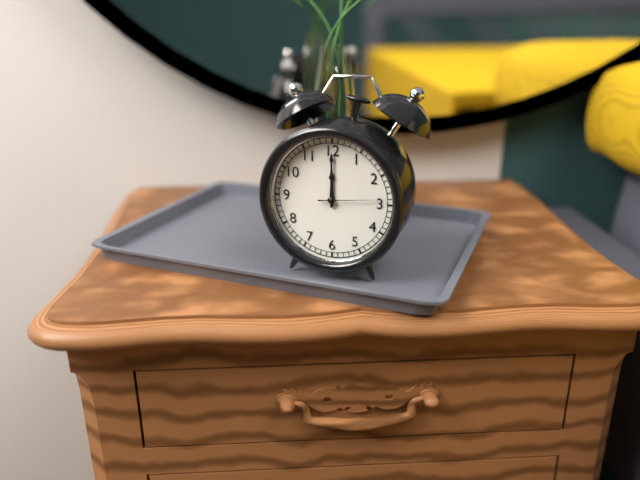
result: **12:00:14**
